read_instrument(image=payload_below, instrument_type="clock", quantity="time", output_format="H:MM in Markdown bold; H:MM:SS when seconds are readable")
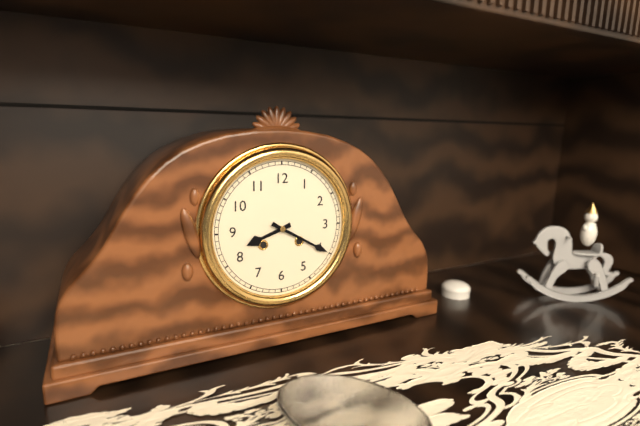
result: **8:20**
